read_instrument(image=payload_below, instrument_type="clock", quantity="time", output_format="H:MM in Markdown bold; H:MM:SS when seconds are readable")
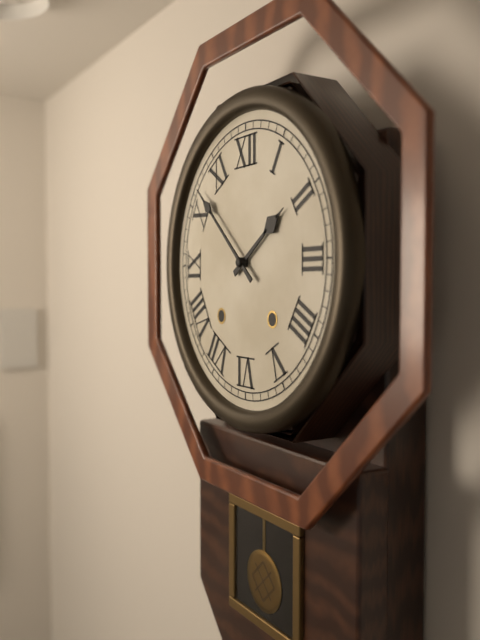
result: **1:52**
